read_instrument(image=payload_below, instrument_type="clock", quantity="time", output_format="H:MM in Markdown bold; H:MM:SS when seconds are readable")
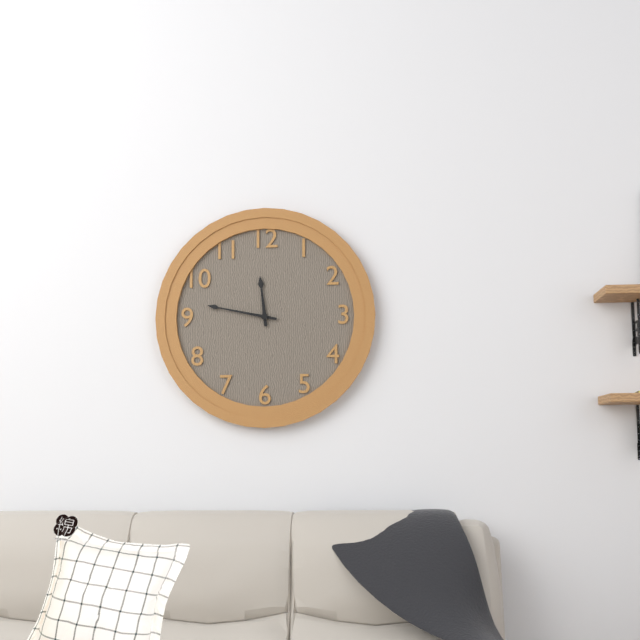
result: **11:47**
